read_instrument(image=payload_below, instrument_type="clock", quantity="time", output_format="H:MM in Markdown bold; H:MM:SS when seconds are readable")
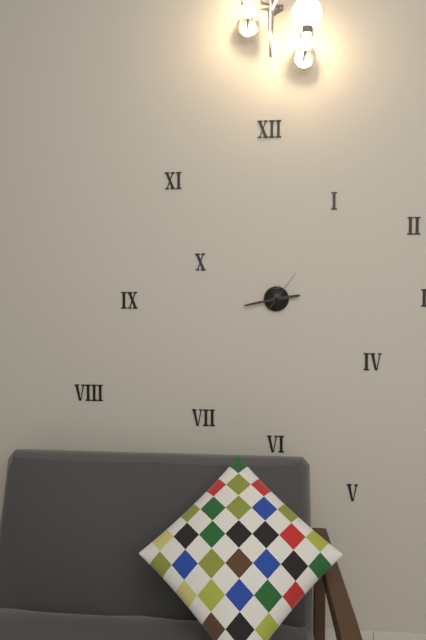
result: **2:43**
